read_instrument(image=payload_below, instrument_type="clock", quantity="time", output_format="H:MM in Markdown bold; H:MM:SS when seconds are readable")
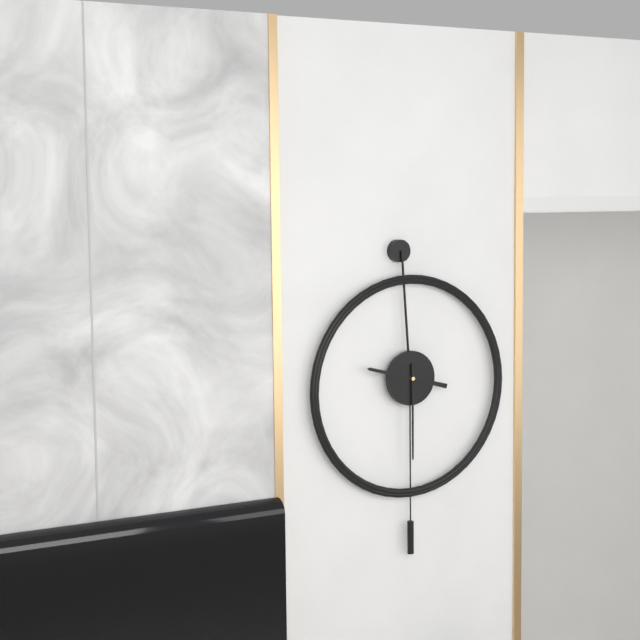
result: **9:30**
